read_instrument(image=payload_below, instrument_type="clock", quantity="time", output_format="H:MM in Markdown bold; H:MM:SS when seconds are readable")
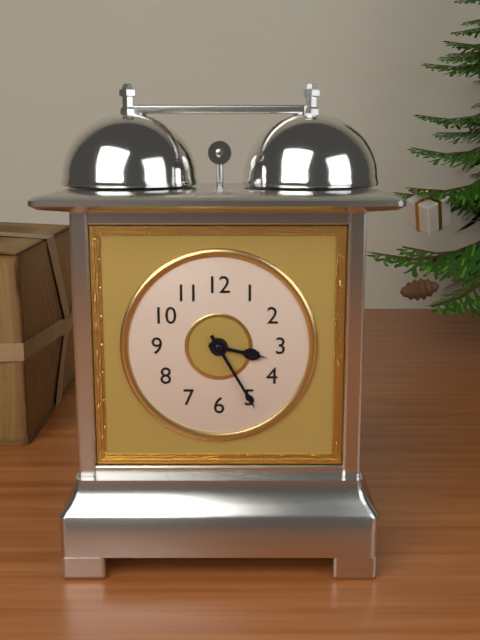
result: **3:25**
